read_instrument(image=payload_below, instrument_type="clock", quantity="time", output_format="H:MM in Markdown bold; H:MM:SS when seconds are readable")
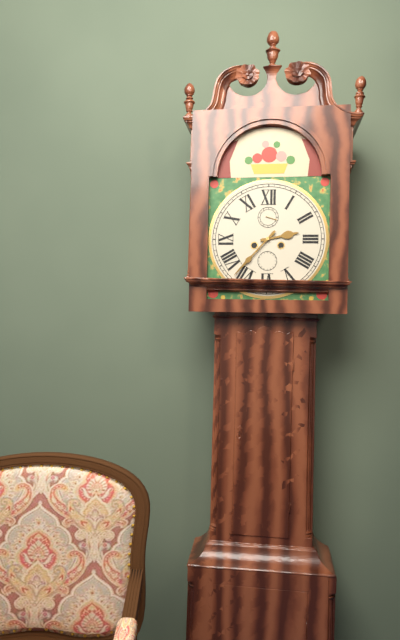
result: **2:37**
